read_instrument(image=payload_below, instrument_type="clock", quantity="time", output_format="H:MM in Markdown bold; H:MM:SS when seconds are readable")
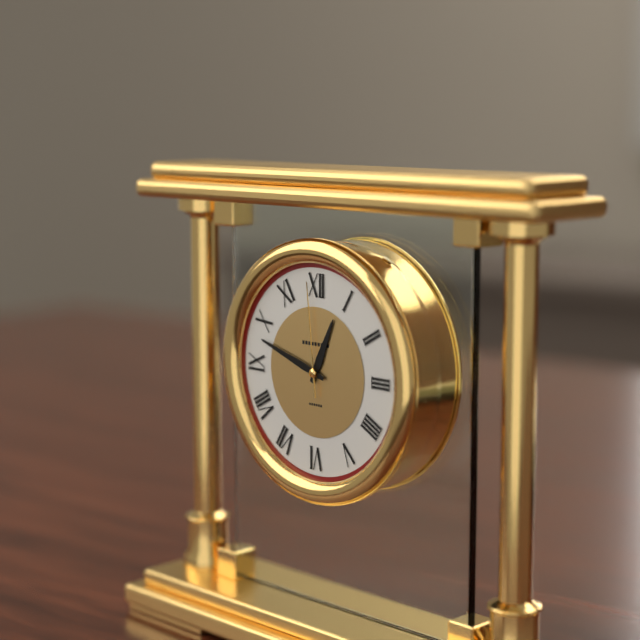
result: **12:48:59**
